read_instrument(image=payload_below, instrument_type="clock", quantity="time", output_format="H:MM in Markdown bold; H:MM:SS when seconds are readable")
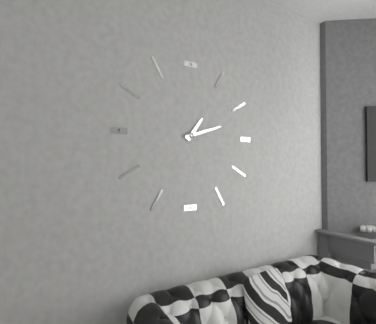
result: **1:12**
